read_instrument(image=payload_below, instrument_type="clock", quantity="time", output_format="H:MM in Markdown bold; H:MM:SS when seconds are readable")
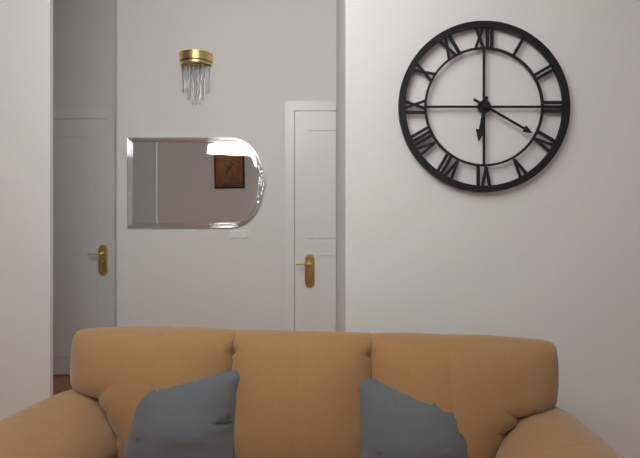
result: **6:20**
